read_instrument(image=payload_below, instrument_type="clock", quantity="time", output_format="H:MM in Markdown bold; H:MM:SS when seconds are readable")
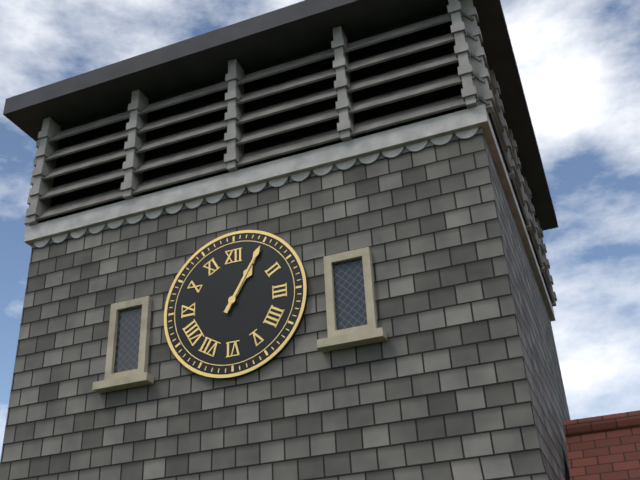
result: **1:05**
